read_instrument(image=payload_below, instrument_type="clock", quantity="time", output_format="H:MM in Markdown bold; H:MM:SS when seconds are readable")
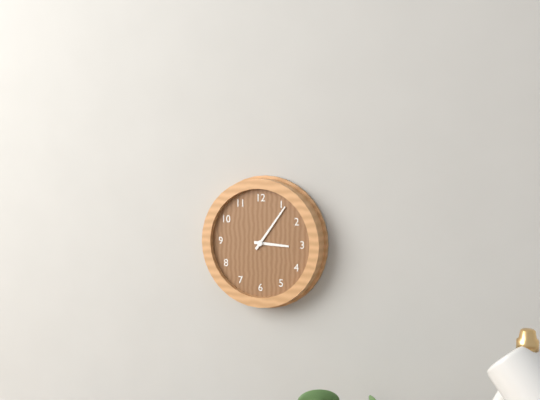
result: **3:06**
